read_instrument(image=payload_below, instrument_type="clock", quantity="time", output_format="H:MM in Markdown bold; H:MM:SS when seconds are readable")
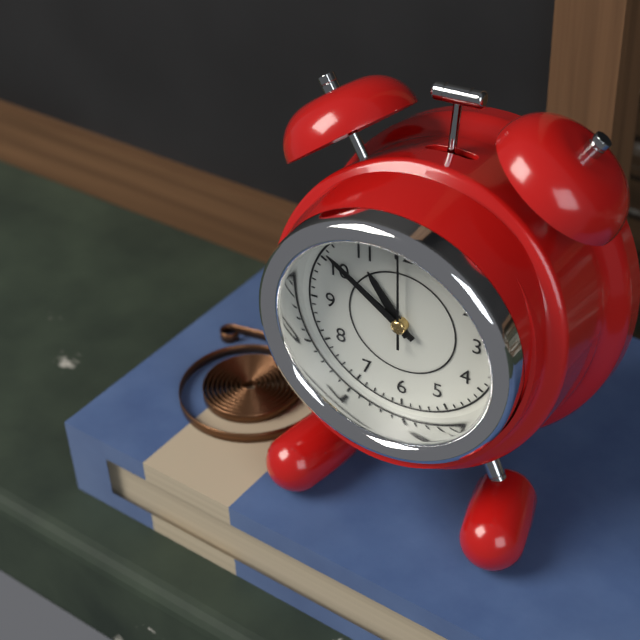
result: **10:51:00**
